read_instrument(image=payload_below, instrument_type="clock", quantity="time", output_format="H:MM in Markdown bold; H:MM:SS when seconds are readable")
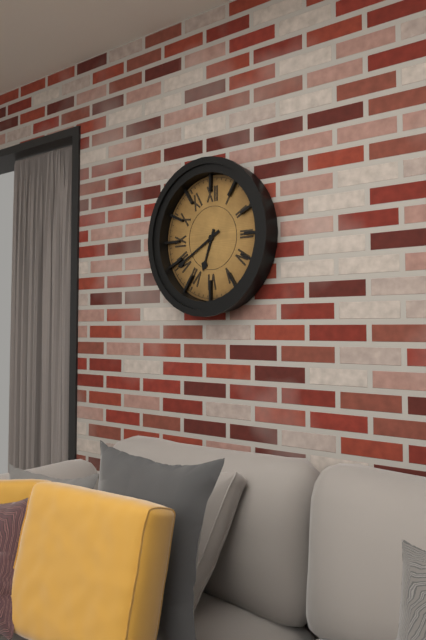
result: **6:40**
